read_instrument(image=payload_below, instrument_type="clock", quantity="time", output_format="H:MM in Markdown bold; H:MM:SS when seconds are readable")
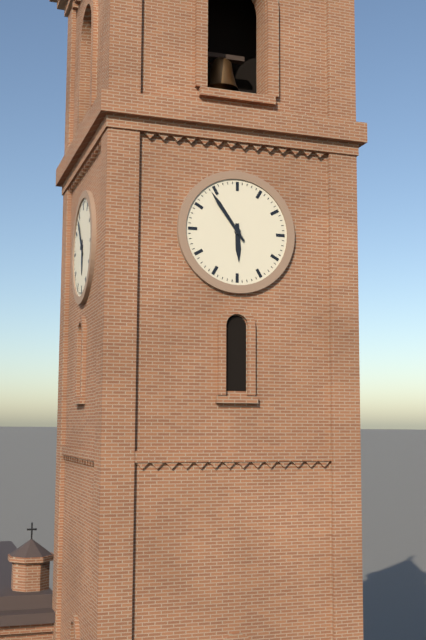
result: **5:54**
